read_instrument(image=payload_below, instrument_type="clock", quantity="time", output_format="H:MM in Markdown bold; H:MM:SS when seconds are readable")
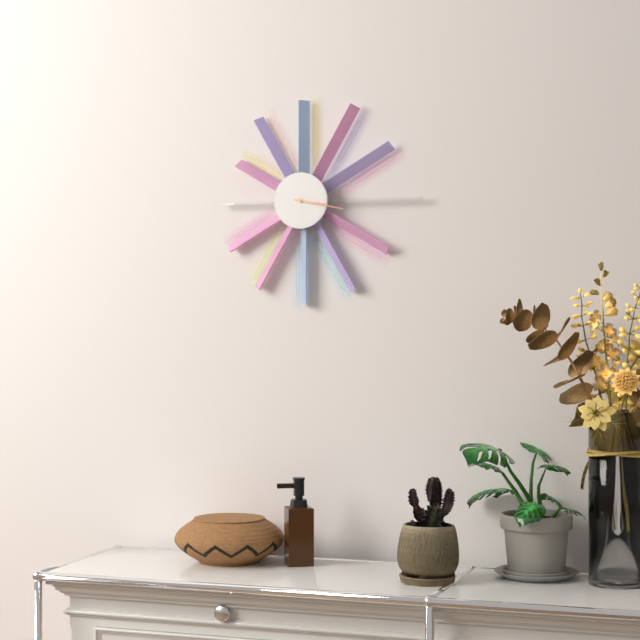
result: **3:17**
